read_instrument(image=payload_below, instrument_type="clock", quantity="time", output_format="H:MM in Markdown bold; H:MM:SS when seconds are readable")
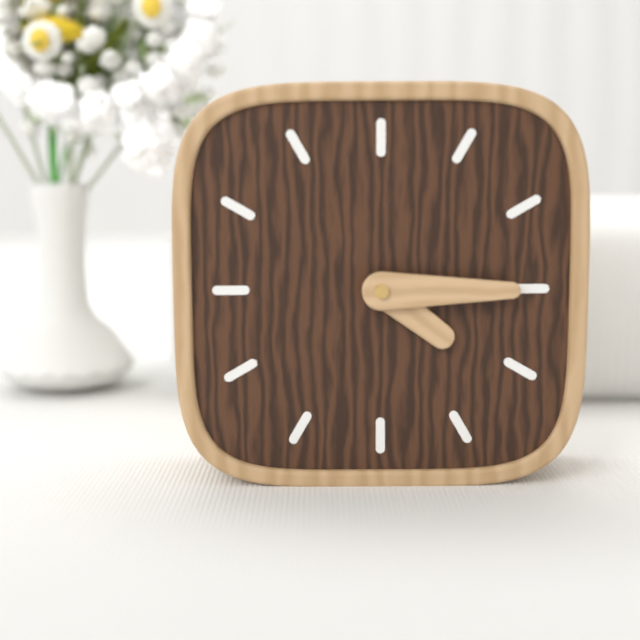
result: **4:15**
